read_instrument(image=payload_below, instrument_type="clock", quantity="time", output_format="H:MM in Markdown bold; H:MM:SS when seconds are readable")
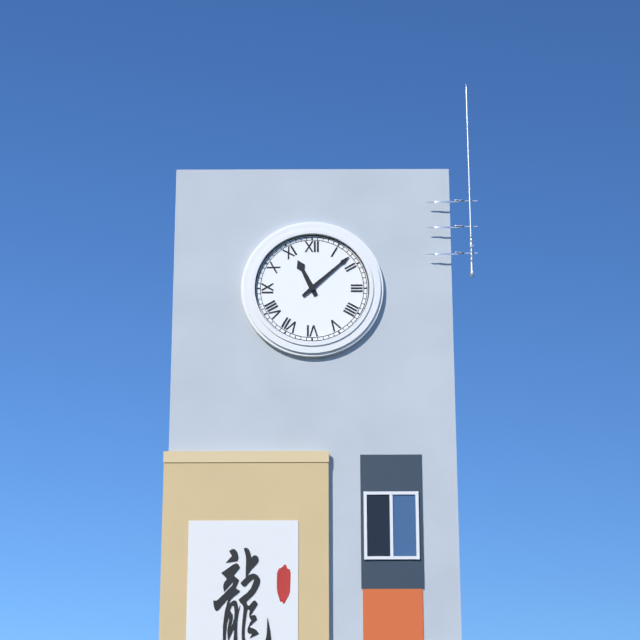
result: **11:08**
